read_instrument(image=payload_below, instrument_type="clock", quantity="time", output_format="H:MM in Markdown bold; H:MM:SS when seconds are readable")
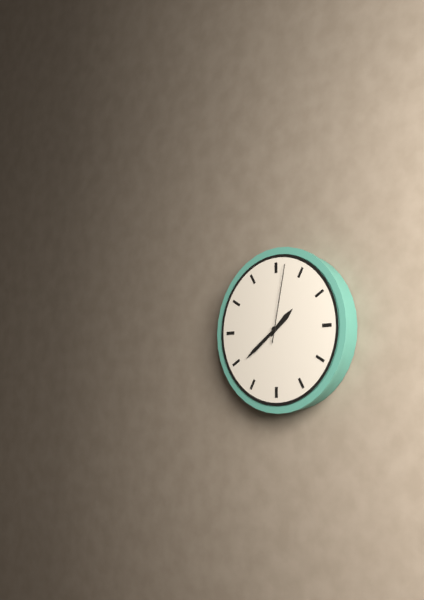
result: **1:39:02**
